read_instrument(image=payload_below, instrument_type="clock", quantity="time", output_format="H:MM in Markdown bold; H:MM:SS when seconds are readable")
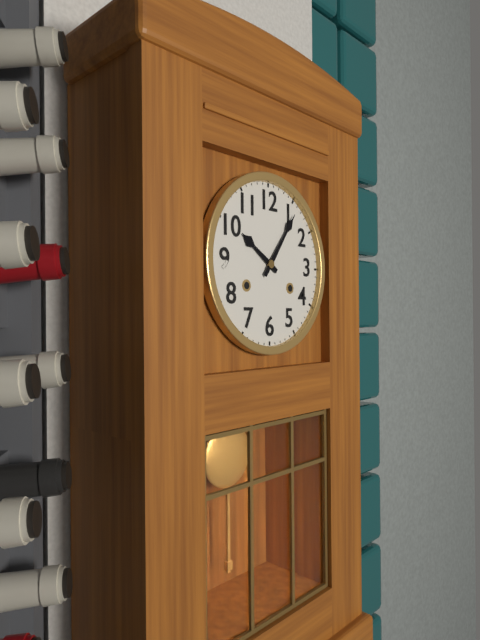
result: **10:06**
